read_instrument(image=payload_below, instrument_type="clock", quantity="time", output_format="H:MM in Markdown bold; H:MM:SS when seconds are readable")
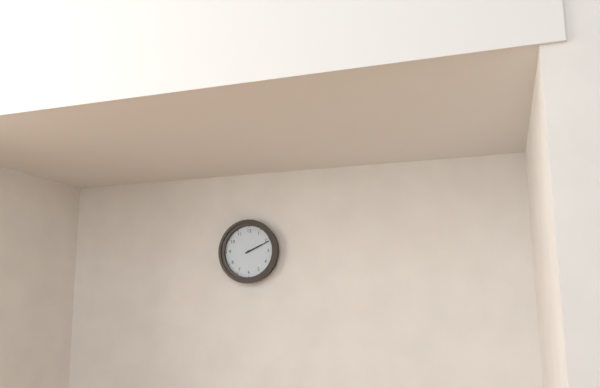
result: **2:11**
